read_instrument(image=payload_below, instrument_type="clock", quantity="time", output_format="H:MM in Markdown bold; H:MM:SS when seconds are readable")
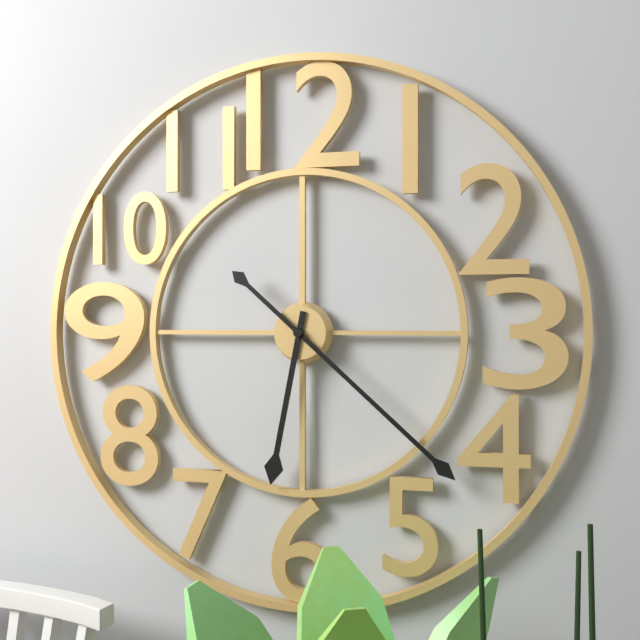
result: **6:22**
